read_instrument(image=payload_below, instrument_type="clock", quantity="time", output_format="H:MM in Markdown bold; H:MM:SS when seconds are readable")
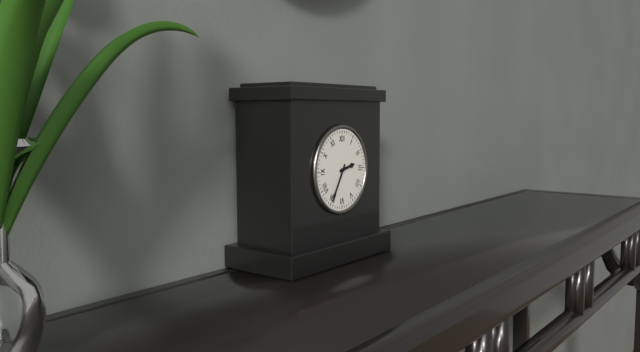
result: **2:35**
